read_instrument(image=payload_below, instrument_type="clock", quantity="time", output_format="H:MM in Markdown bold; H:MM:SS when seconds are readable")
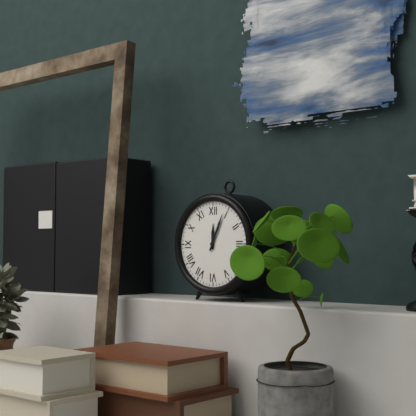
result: **12:04**
